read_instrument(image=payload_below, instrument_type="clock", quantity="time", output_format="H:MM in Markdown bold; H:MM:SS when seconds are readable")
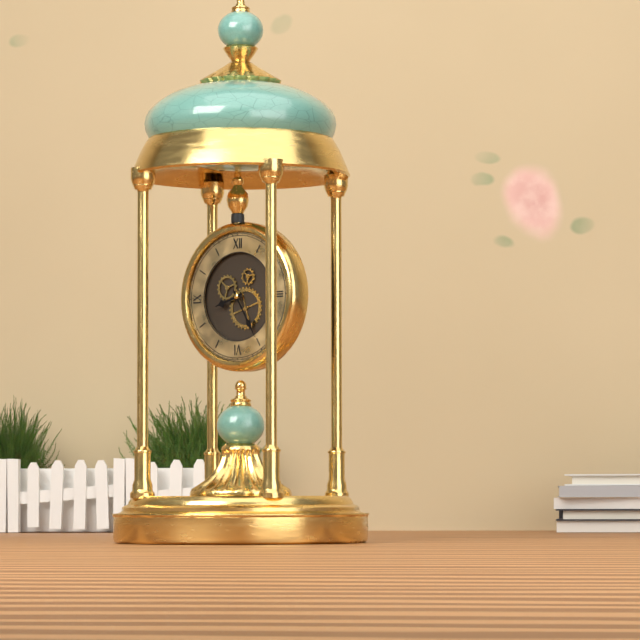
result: **8:25**
